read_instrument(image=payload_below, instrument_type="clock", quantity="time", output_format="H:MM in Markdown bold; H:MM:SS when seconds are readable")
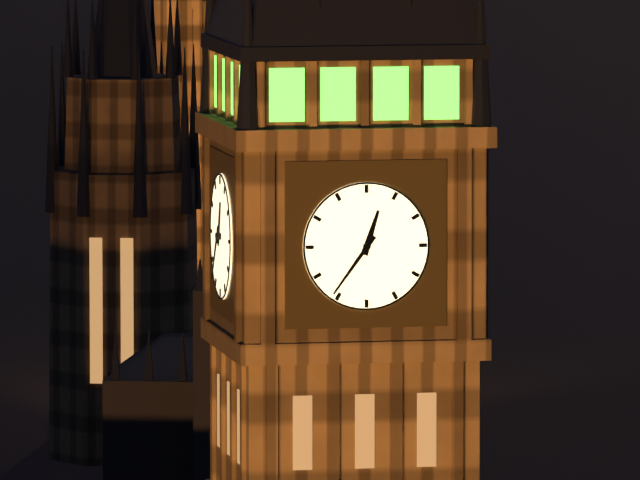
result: **12:36**
